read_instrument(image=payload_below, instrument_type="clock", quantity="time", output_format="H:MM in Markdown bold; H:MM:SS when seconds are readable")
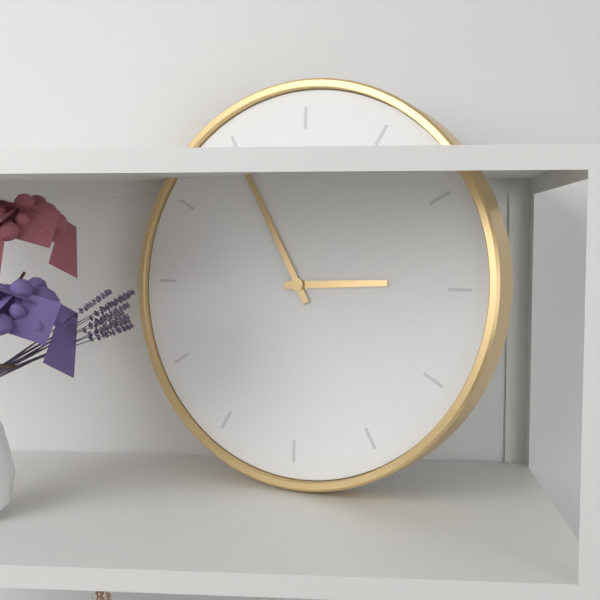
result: **2:55**
